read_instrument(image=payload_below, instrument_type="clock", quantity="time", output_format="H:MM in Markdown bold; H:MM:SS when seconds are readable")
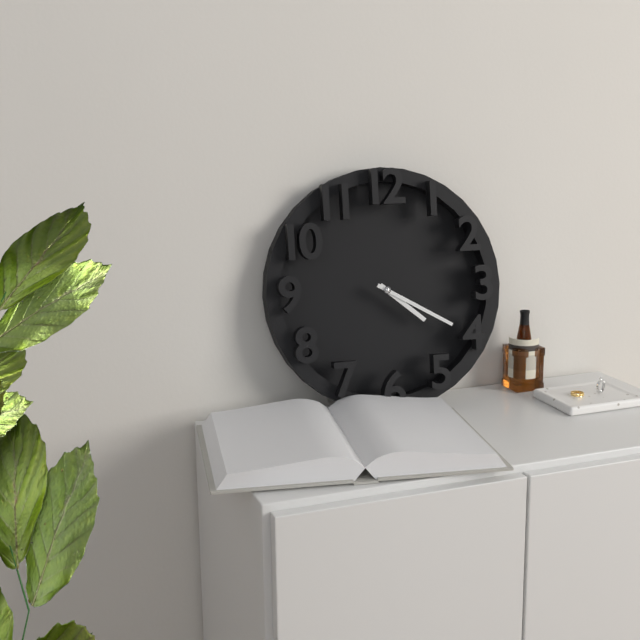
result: **4:20**
